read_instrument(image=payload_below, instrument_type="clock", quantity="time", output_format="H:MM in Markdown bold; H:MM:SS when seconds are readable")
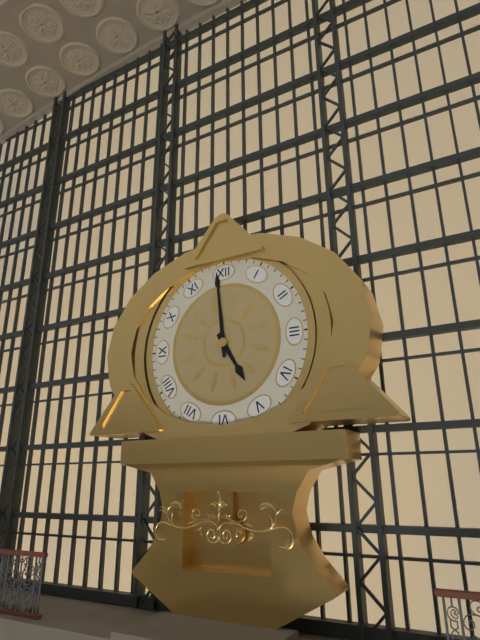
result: **4:59**
